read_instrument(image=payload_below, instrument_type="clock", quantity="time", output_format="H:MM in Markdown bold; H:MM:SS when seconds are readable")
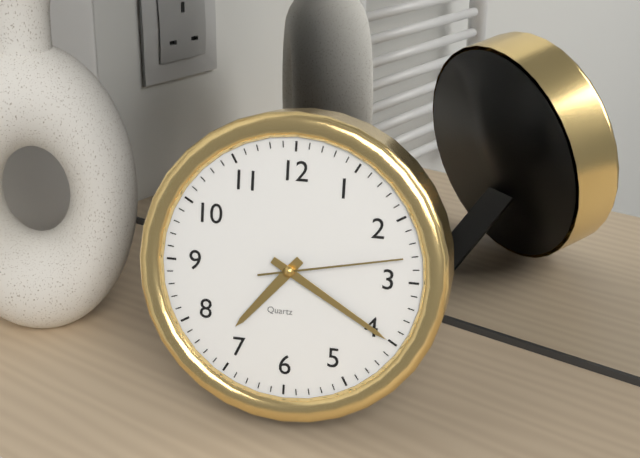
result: **7:20:13**
